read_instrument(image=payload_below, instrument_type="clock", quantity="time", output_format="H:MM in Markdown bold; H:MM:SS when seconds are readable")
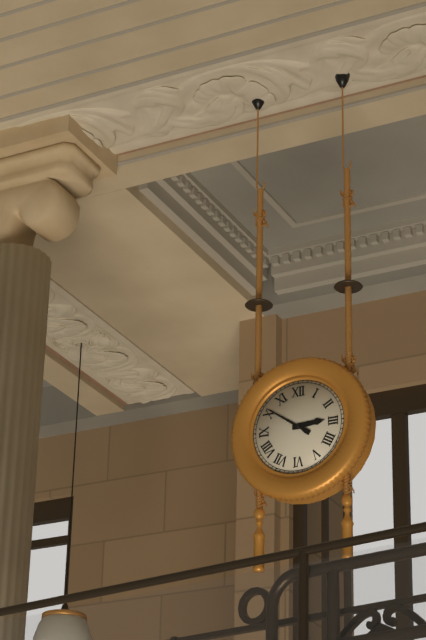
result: **2:51**
